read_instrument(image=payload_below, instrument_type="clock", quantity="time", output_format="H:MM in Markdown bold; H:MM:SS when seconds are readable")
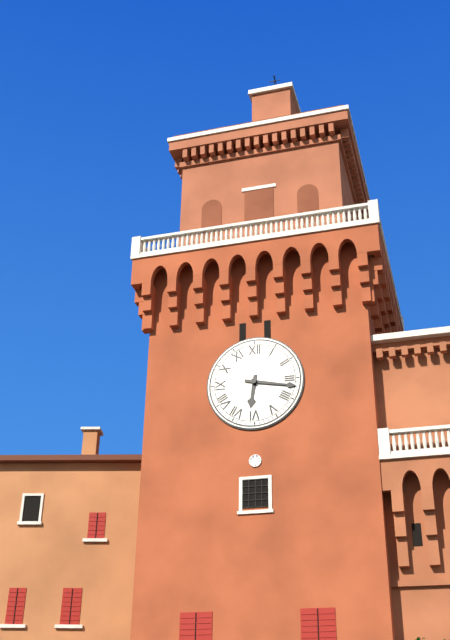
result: **6:17**
